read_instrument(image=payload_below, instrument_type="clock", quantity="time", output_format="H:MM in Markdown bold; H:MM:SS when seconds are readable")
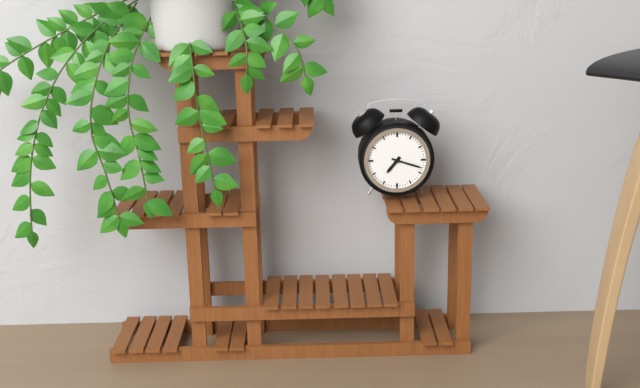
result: **7:18**
